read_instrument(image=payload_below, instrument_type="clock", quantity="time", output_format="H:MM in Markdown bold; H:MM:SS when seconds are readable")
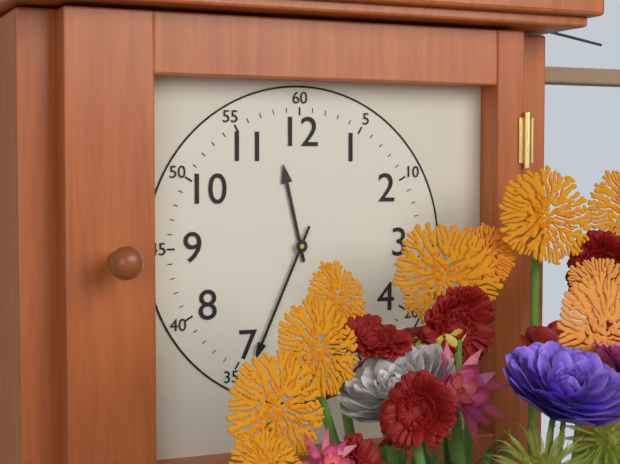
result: **11:34**
